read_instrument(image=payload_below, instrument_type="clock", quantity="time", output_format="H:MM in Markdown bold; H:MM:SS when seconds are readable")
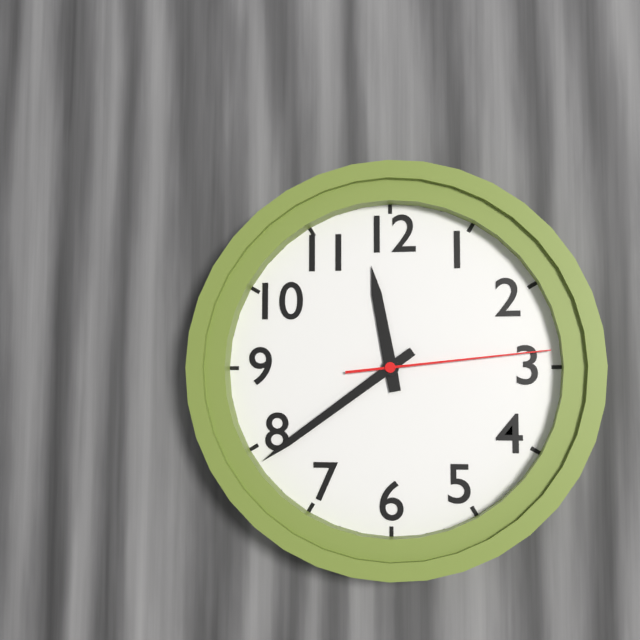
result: **11:39:14**
